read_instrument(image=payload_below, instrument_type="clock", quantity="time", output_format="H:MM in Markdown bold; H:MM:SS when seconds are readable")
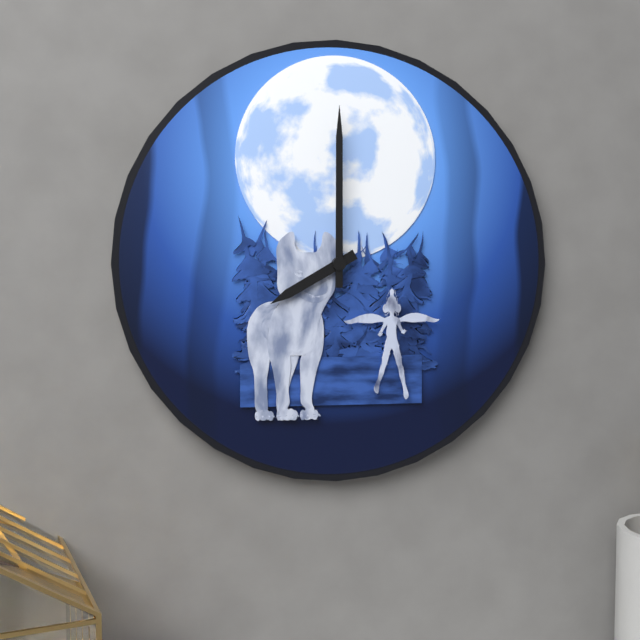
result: **8:00**
